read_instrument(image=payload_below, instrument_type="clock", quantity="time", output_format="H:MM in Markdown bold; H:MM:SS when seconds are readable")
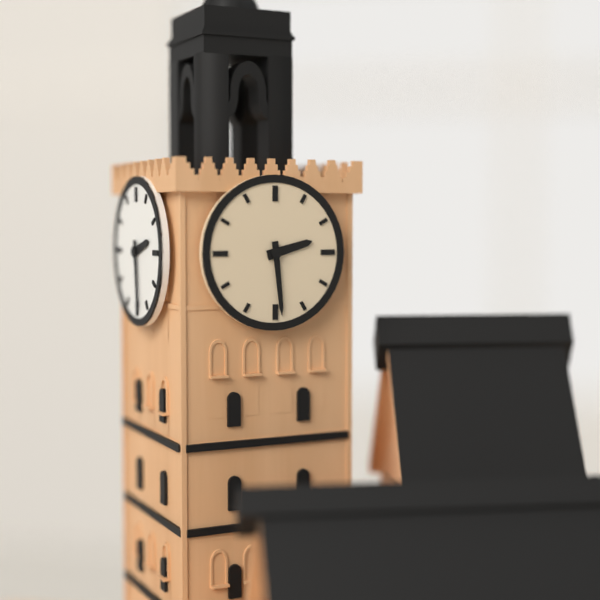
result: **2:29**
